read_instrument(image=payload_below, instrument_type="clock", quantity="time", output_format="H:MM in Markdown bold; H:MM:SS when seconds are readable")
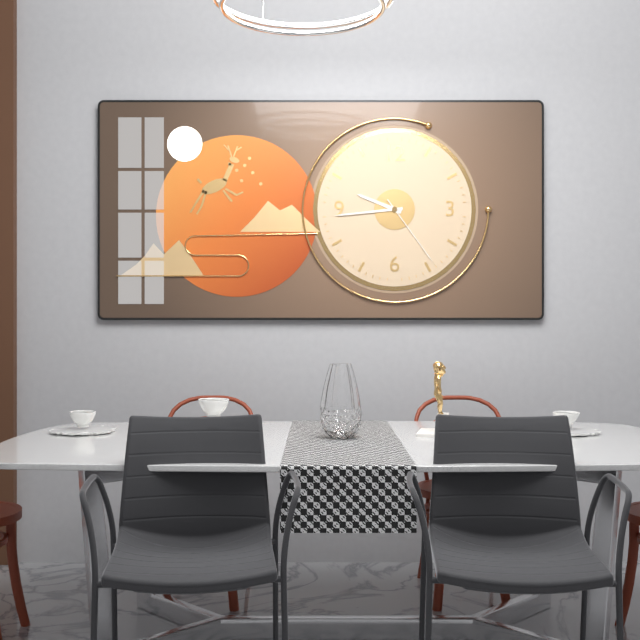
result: **9:44:24**
